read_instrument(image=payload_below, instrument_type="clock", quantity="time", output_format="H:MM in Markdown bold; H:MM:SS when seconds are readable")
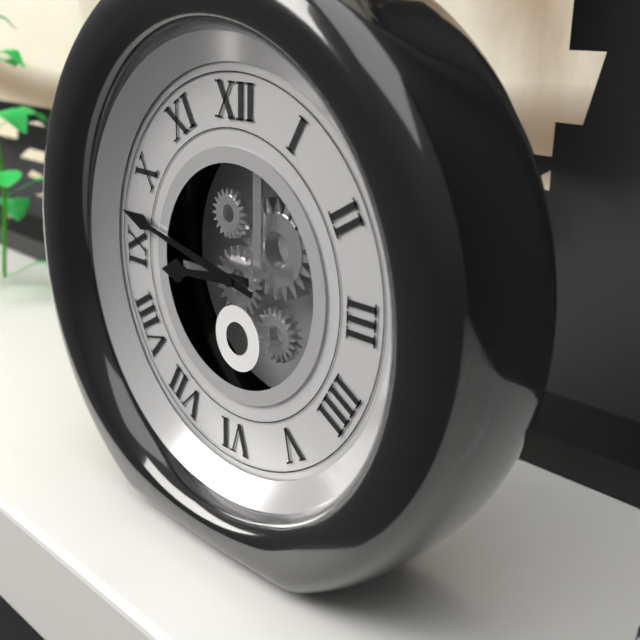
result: **8:47**
